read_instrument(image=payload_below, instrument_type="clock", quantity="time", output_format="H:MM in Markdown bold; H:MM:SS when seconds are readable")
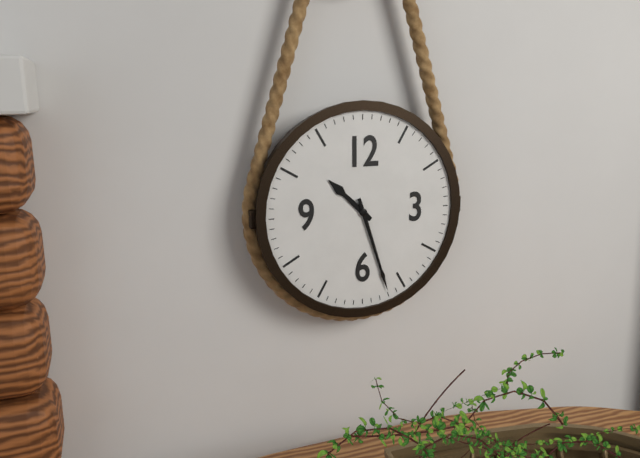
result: **10:27**
